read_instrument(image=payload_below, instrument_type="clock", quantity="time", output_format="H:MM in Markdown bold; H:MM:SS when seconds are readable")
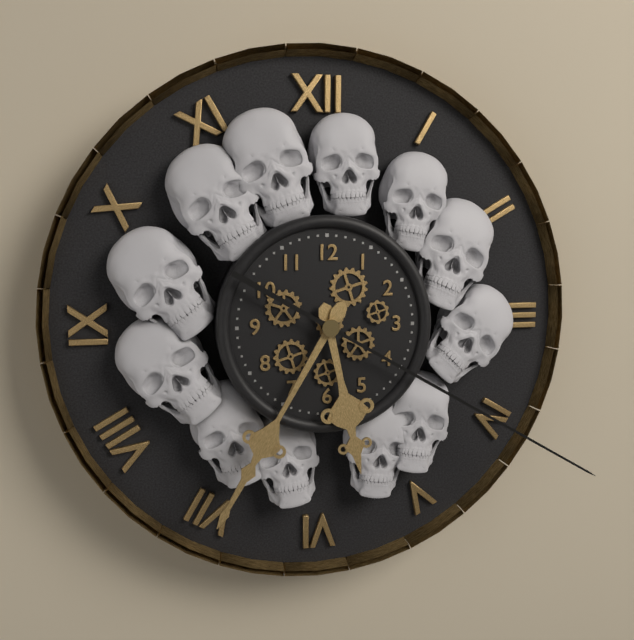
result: **5:35:20**
